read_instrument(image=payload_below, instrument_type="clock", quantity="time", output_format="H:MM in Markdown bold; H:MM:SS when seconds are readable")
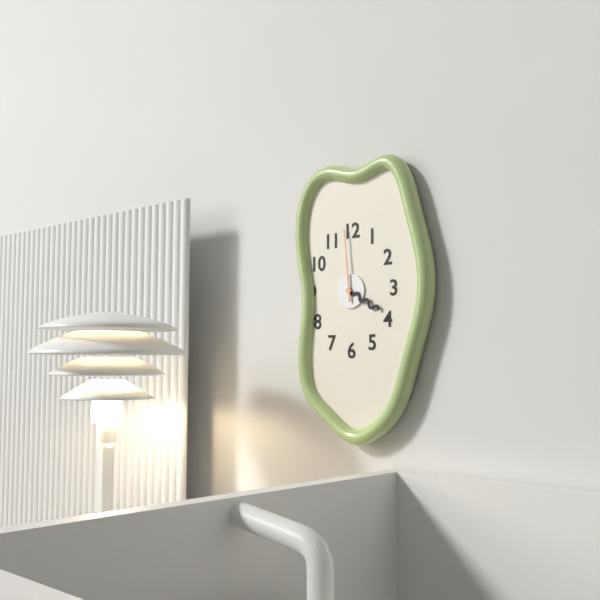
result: **3:59**
